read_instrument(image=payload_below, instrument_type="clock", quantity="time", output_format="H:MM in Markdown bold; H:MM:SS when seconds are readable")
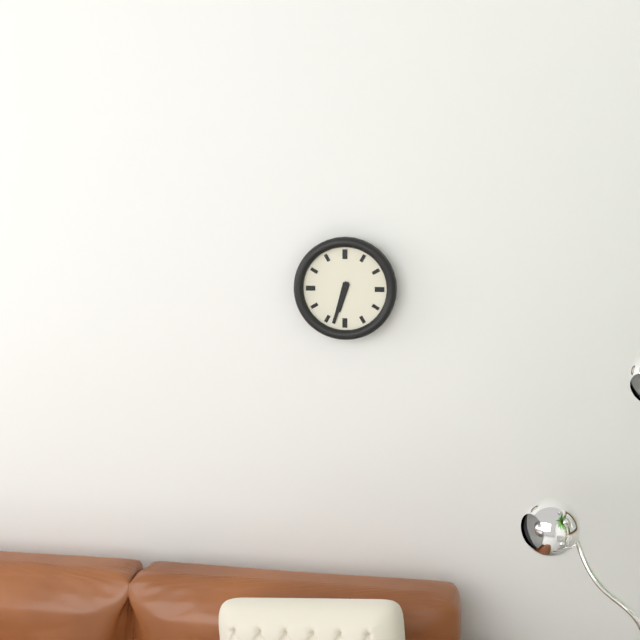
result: **6:33**
